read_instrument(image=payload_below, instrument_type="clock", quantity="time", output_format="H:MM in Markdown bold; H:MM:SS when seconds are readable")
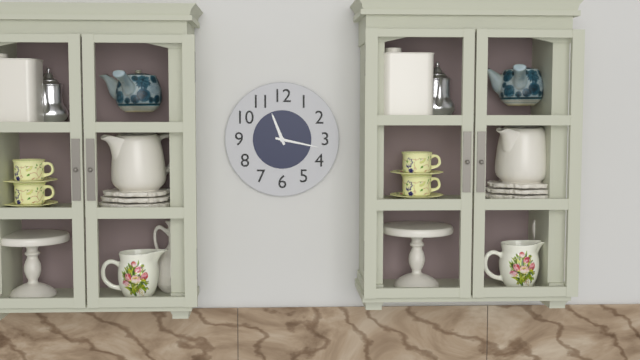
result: **11:17**
